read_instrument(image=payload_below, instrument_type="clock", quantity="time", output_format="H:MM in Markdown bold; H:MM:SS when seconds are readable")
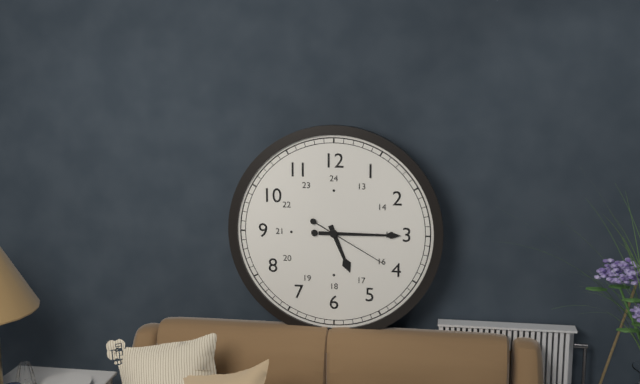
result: **5:15:20**
